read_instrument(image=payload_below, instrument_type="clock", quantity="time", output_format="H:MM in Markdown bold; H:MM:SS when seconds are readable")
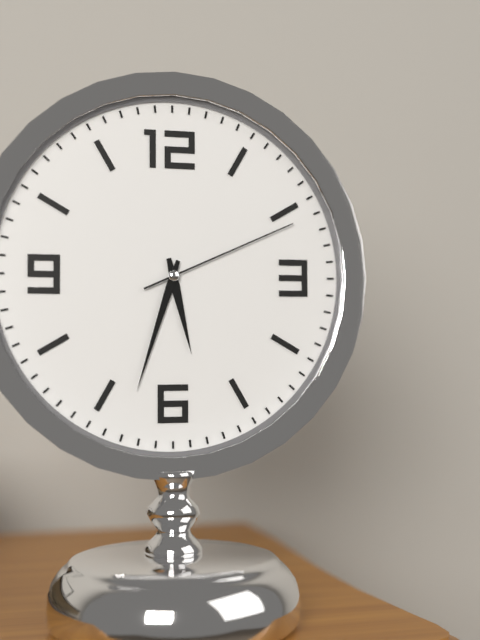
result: **5:33:11**
